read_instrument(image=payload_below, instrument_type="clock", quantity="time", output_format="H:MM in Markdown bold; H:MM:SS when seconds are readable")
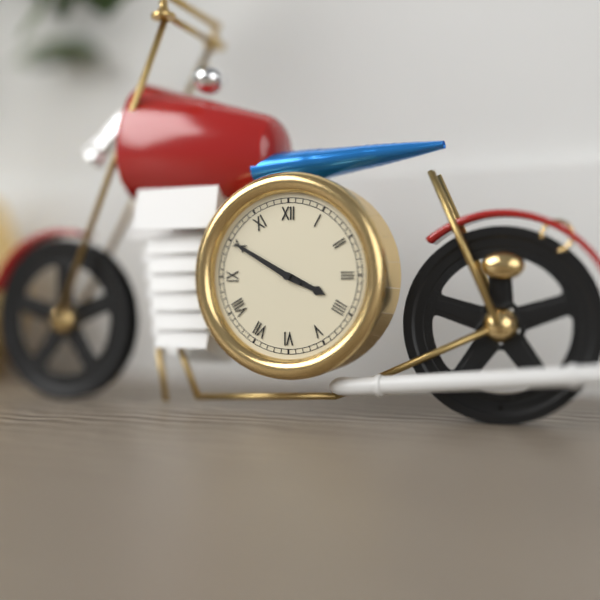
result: **3:50**
